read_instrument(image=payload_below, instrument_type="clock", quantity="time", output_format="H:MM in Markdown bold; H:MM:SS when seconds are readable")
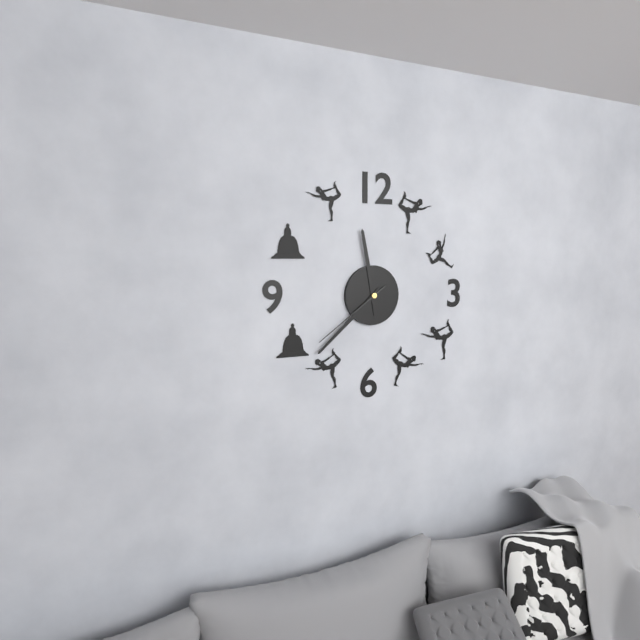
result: **11:38:39**
